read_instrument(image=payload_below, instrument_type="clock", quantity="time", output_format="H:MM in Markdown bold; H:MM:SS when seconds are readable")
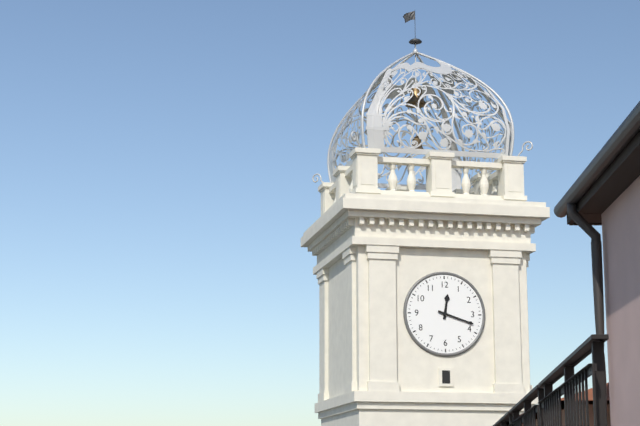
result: **12:18**
